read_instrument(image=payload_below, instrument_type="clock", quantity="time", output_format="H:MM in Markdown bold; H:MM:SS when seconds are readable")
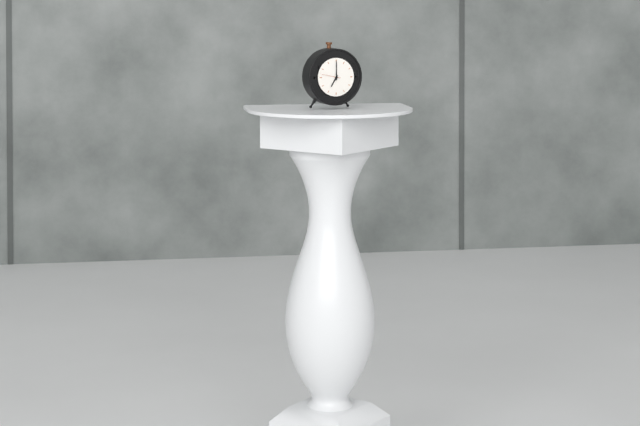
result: **7:00**
